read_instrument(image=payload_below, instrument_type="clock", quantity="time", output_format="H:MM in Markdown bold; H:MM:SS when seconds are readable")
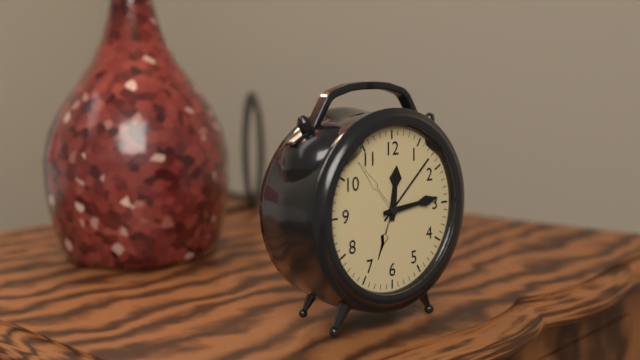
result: **12:14**
